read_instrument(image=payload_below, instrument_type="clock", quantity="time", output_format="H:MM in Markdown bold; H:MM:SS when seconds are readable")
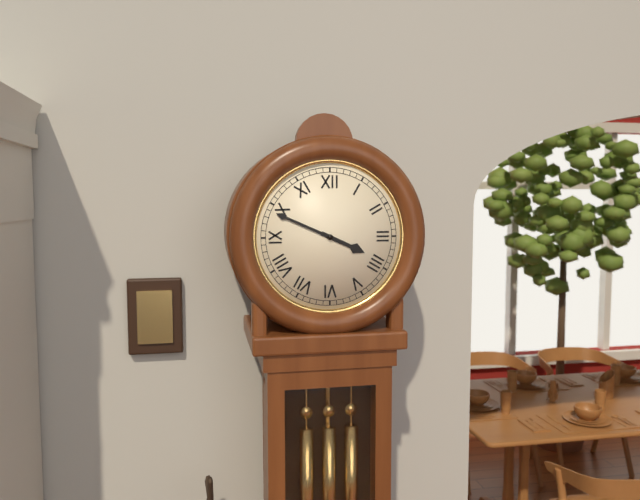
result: **3:49**
